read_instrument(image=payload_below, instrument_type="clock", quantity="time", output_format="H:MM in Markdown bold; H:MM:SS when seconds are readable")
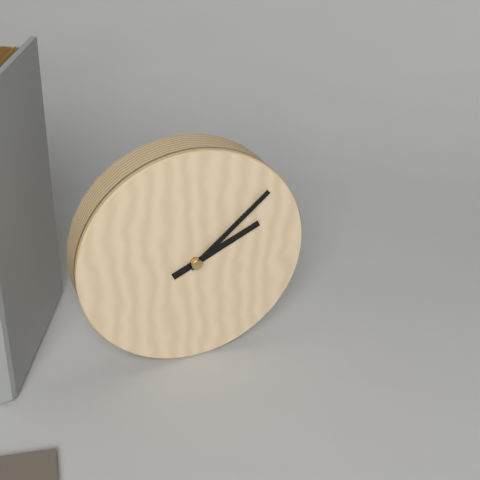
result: **2:08**
